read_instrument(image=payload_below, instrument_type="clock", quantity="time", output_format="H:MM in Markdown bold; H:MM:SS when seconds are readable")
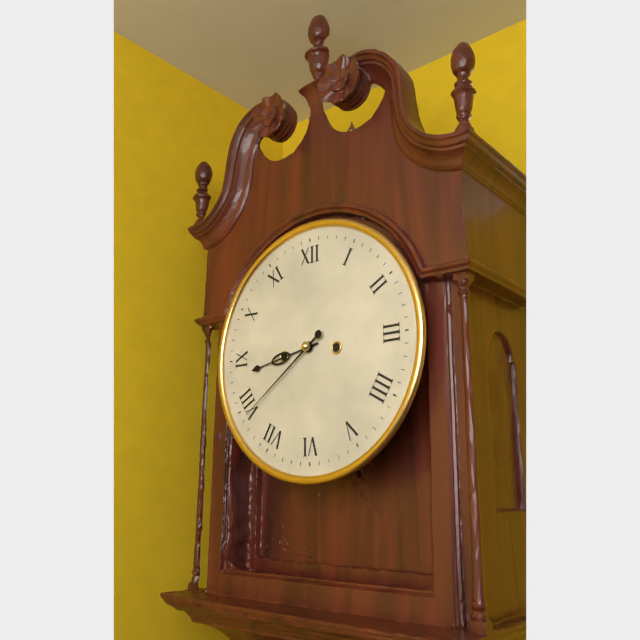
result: **8:39**
